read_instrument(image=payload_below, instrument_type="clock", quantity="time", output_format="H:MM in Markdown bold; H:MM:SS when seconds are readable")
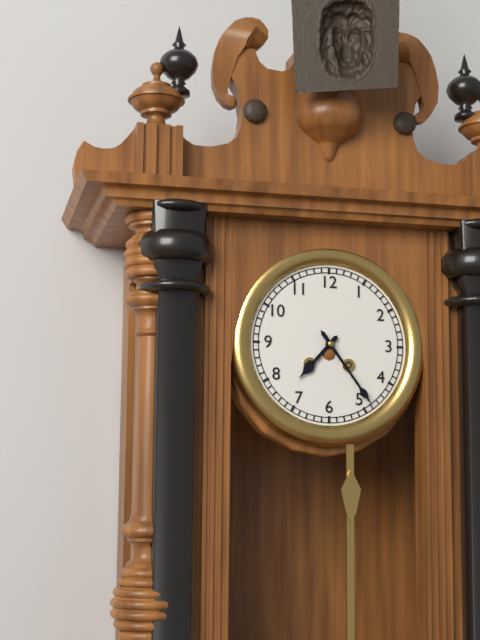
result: **7:24**
